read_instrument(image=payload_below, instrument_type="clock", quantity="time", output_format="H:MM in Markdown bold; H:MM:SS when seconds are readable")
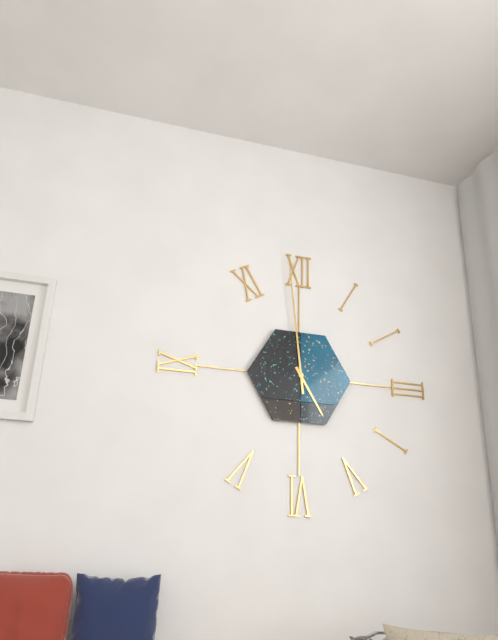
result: **4:59**
